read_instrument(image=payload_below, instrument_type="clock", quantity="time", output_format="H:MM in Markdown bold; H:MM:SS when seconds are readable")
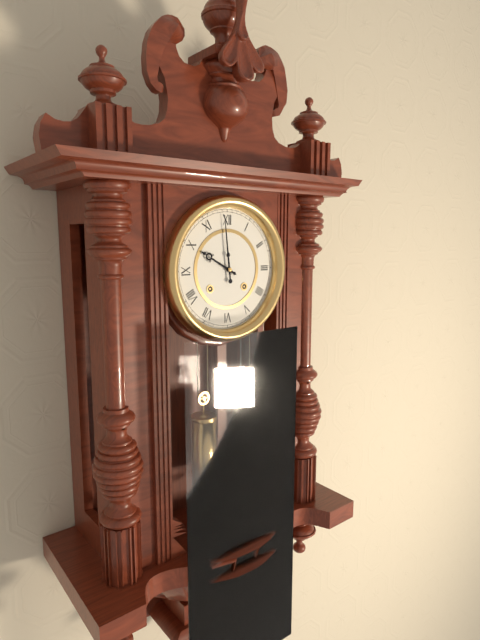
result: **9:59**
